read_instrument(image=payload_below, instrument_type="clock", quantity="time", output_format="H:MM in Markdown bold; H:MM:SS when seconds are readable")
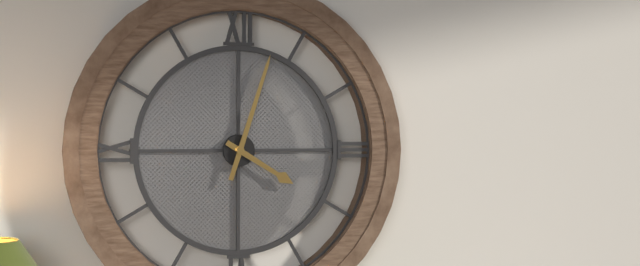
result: **4:03**
